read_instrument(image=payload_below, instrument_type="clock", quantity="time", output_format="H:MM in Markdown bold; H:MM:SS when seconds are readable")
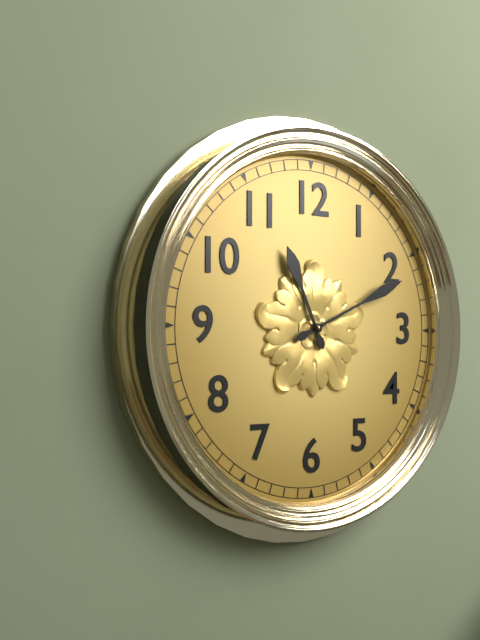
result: **11:11**
